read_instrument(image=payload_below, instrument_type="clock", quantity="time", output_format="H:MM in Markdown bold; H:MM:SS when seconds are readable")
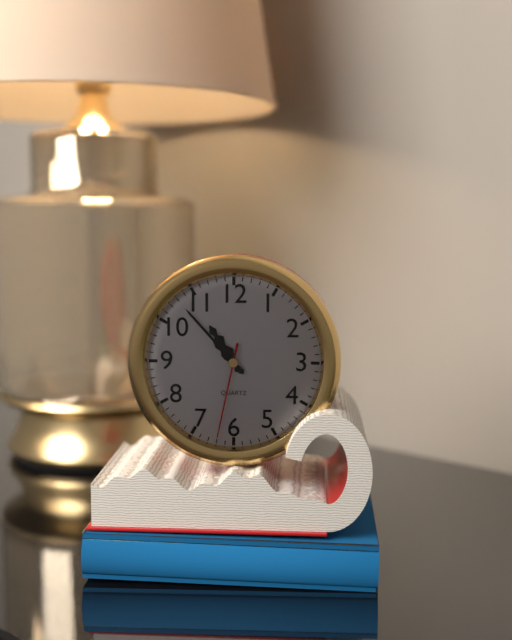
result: **10:53:32**
